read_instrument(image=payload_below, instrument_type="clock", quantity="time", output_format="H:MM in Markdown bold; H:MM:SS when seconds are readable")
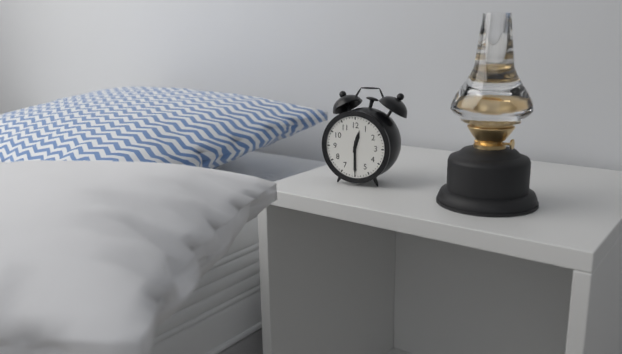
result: **12:30**
